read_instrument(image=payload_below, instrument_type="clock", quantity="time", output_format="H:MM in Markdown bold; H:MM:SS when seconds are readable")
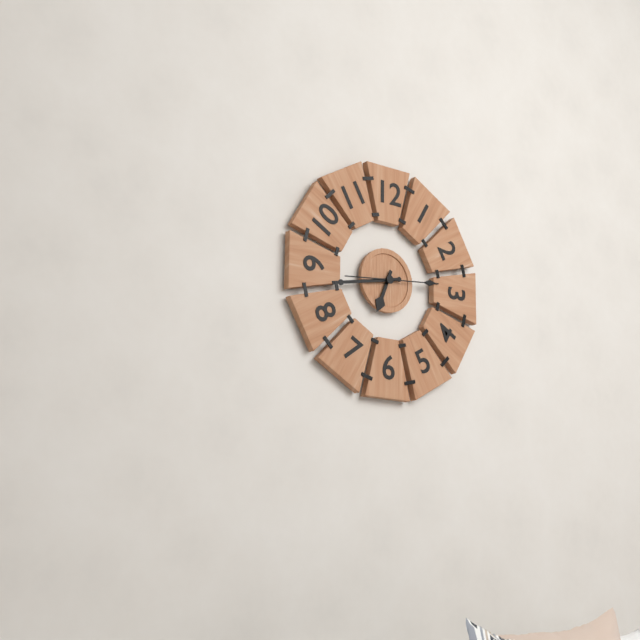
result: **6:43:14**
